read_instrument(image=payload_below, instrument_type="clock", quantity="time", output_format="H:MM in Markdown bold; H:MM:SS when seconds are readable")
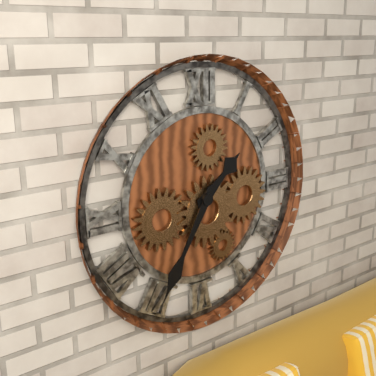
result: **1:35**
